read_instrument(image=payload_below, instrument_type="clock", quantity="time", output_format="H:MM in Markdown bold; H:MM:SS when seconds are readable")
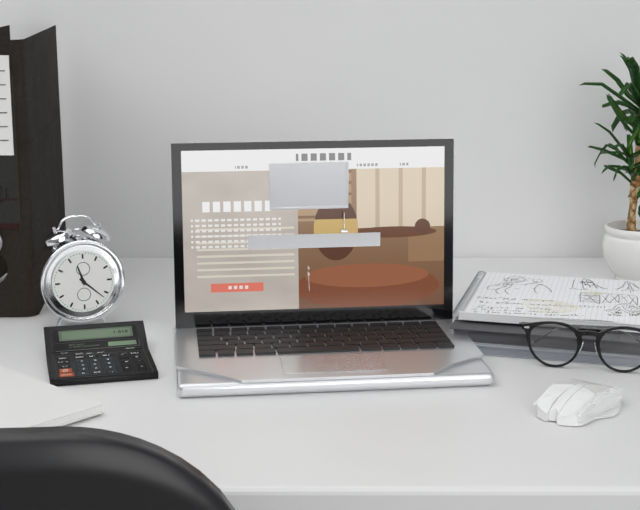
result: **11:22**
